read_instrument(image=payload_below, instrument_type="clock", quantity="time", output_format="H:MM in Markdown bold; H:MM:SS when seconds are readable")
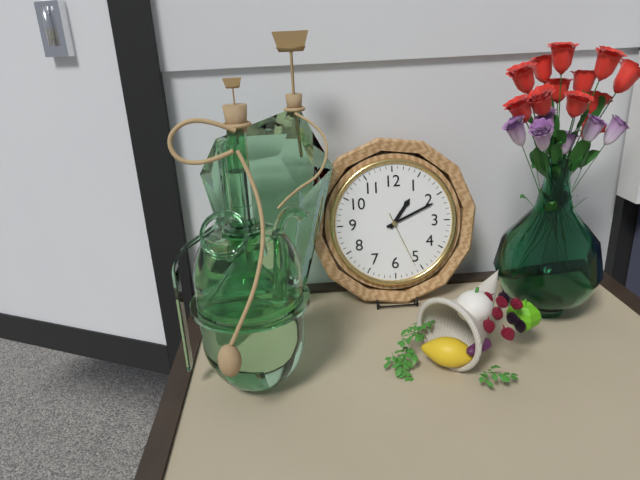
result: **1:11:26**
